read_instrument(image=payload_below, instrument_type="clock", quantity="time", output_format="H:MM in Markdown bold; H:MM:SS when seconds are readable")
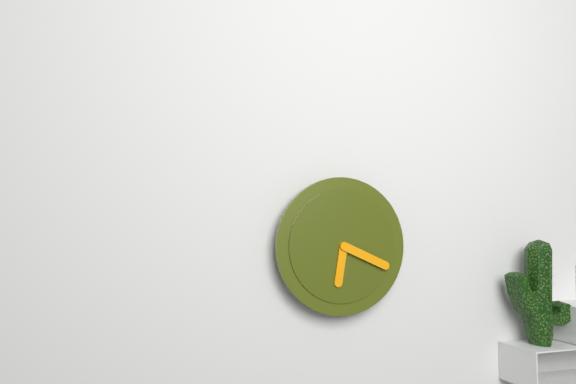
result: **6:19**
